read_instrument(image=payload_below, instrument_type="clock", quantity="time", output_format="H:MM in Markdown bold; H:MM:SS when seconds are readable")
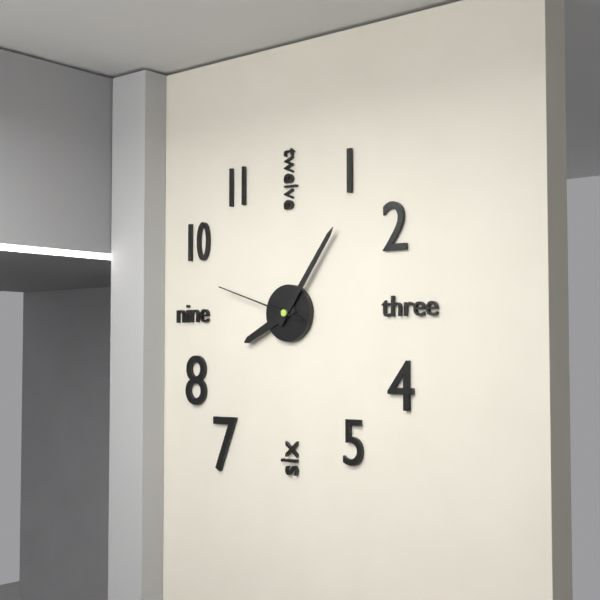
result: **8:06:48**
